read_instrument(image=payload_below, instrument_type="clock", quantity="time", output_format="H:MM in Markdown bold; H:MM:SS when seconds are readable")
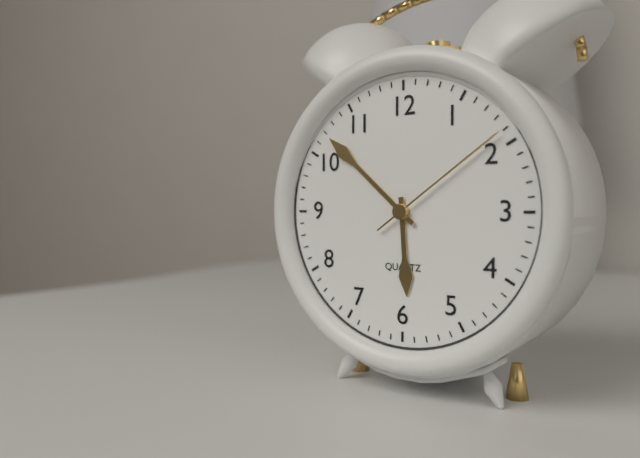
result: **5:52:09**
